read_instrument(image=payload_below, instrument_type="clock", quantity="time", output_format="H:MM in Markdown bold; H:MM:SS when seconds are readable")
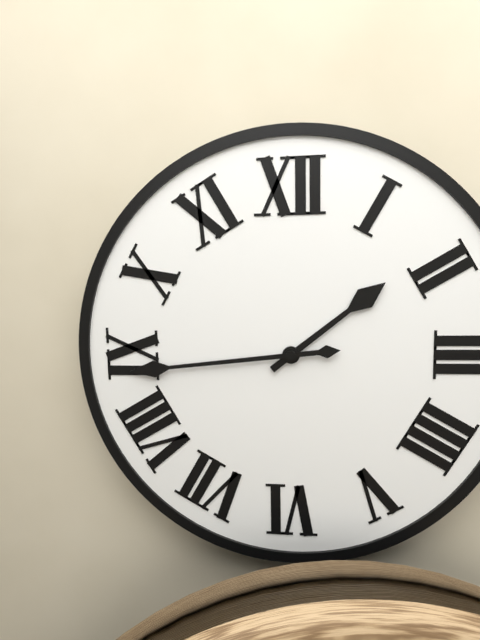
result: **1:44**
